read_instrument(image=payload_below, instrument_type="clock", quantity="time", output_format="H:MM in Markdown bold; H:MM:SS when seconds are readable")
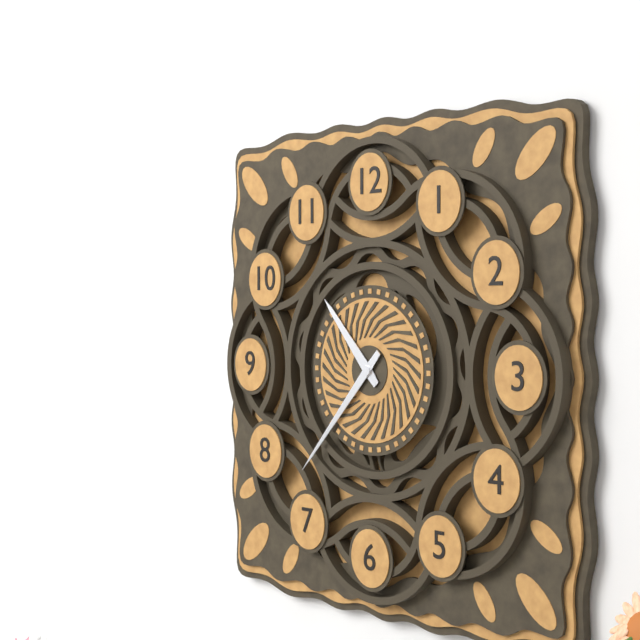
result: **10:37**
